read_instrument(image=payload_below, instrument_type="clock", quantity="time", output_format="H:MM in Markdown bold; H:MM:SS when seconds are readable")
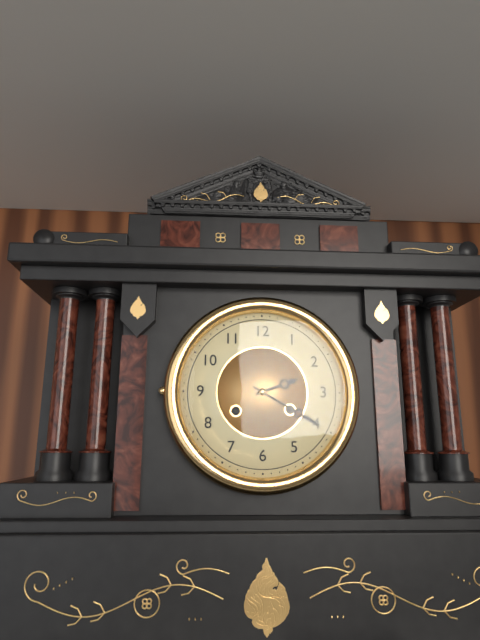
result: **2:20**
